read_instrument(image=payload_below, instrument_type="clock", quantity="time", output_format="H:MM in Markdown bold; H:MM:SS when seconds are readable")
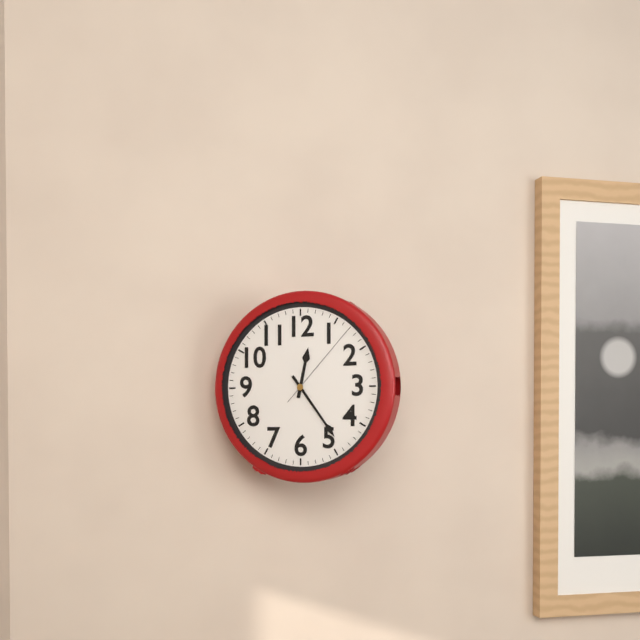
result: **12:24:07**
